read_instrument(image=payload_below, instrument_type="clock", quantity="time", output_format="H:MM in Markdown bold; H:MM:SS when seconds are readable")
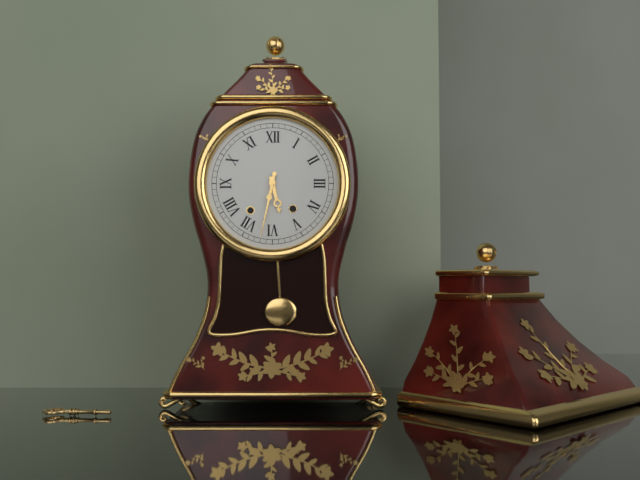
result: **5:32**
